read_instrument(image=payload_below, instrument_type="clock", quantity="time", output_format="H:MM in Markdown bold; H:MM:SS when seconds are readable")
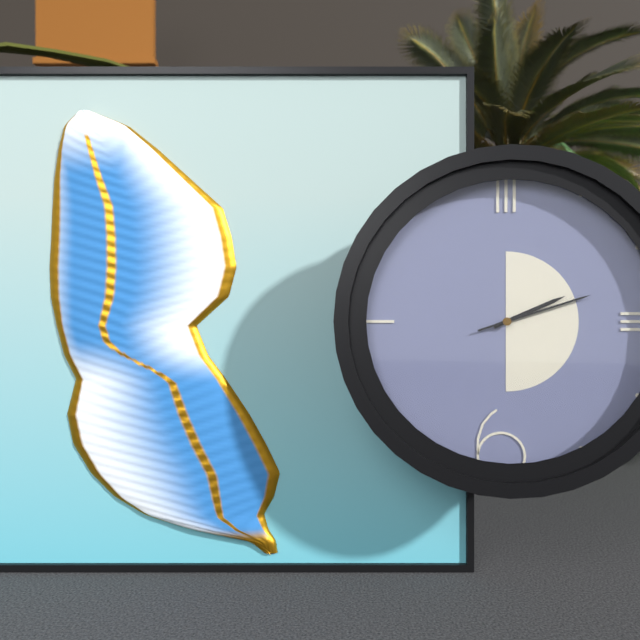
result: **2:12**
